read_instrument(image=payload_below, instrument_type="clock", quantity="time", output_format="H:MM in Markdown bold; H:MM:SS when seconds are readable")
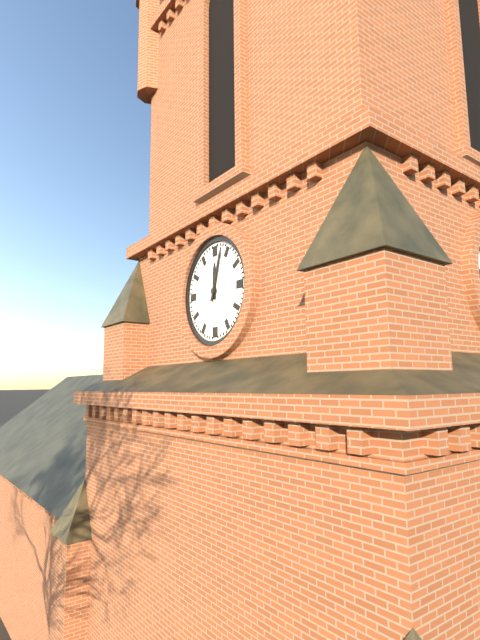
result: **12:03**
